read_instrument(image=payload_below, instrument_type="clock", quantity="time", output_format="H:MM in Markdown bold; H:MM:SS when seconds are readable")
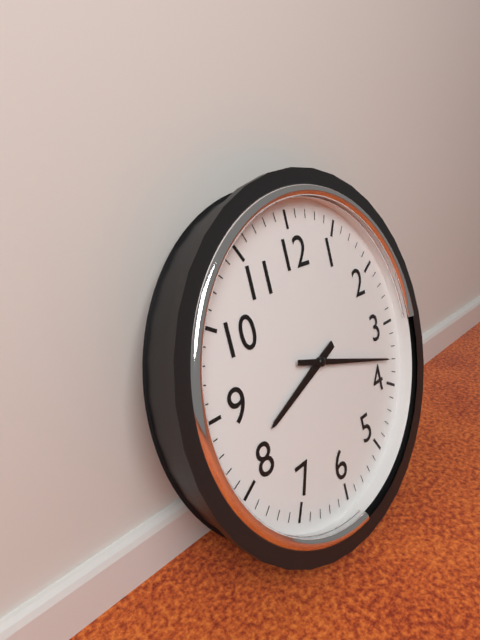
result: **8:18**
